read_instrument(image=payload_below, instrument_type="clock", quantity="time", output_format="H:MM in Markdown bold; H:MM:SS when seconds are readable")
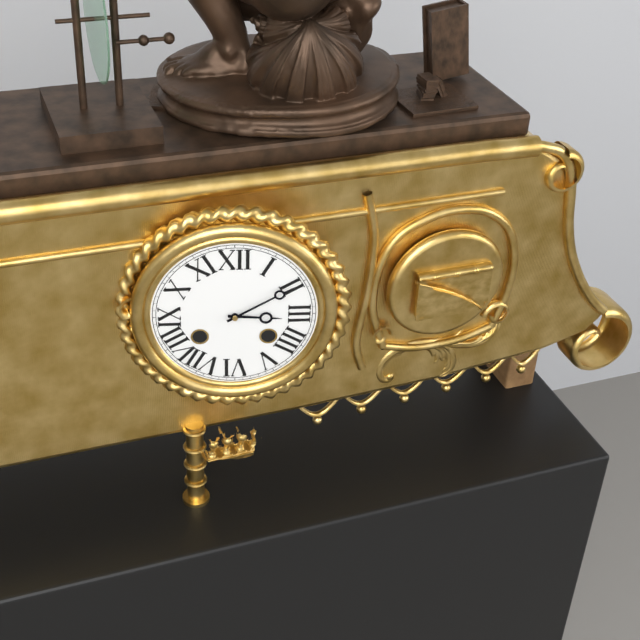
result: **3:10**
